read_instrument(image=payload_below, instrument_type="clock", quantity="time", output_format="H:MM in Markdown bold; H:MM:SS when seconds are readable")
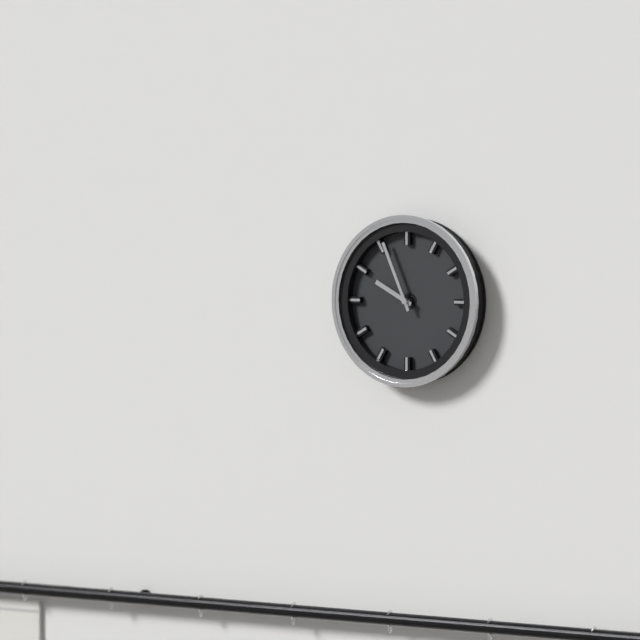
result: **9:56**
